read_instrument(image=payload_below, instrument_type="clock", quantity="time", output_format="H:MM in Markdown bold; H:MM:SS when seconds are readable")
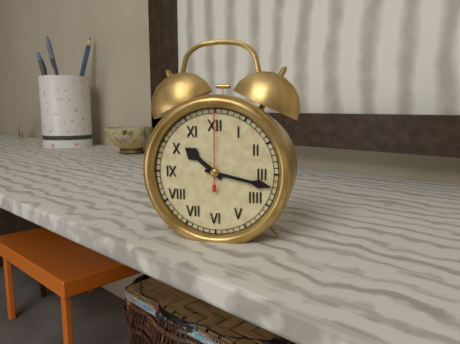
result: **10:17:00**
